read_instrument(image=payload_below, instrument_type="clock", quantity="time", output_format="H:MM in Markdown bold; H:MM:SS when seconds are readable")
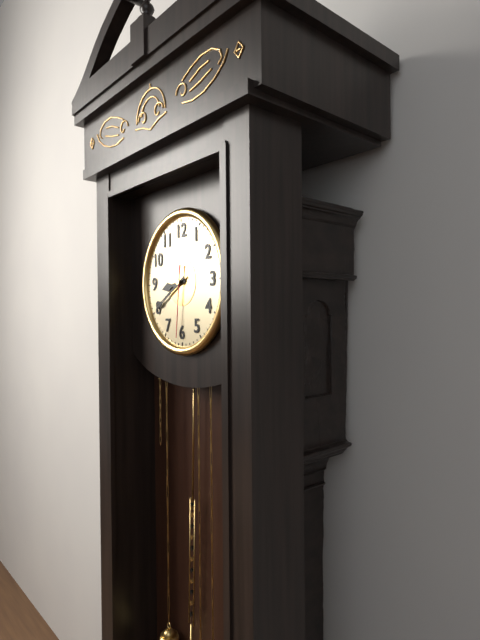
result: **8:40:31**
